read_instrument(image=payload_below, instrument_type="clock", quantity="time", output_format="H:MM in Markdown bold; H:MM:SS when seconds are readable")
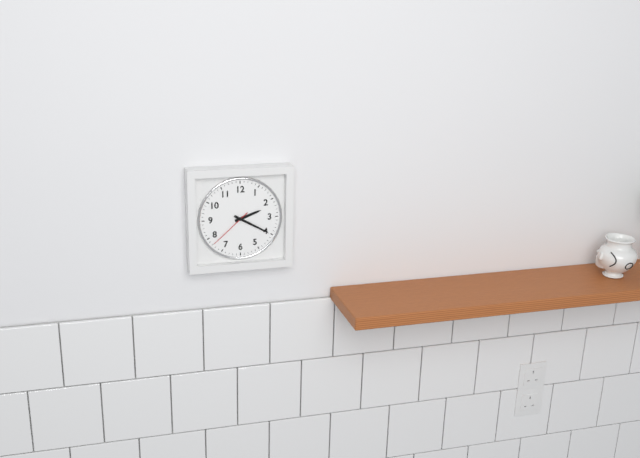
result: **2:20**
